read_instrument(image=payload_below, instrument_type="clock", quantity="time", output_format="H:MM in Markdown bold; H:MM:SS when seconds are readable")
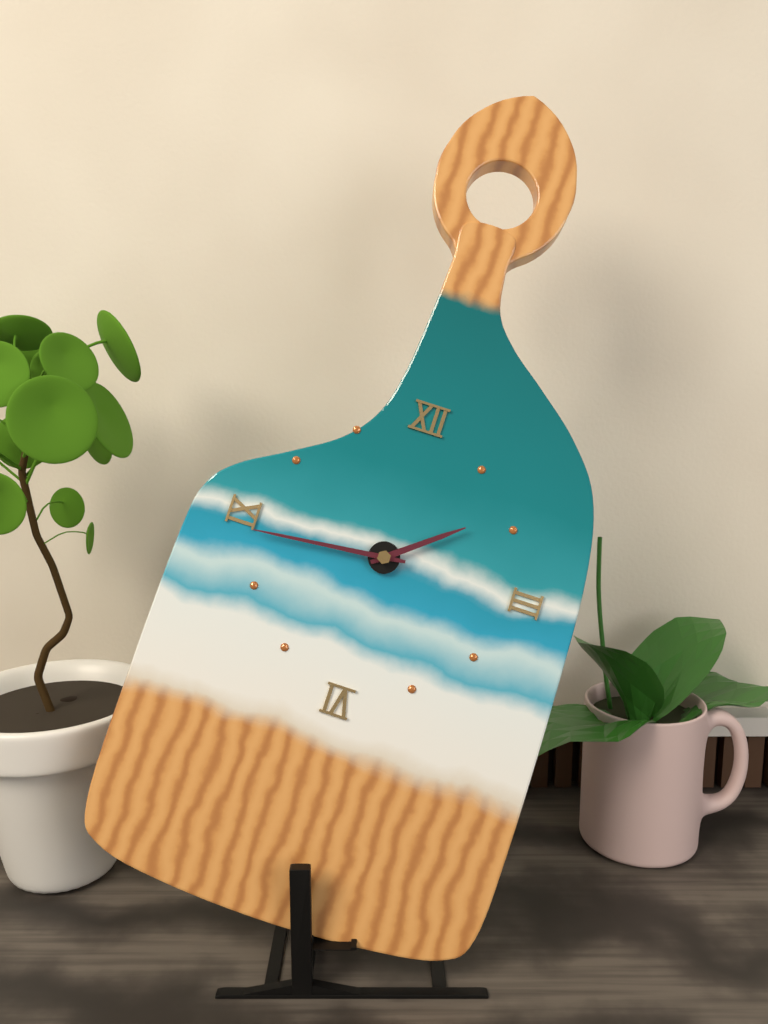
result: **1:44**
